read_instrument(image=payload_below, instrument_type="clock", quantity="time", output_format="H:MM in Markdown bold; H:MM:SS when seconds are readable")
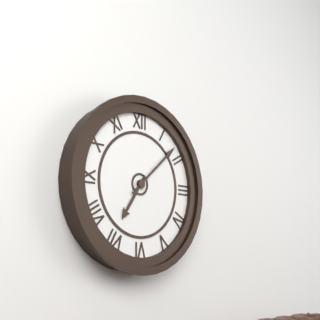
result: **7:08**
